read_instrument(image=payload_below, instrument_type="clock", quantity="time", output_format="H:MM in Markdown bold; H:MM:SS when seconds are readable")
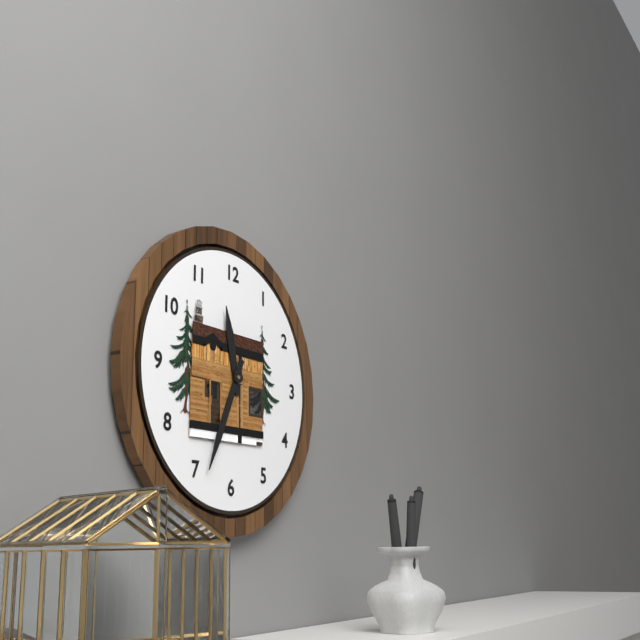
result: **11:34**
